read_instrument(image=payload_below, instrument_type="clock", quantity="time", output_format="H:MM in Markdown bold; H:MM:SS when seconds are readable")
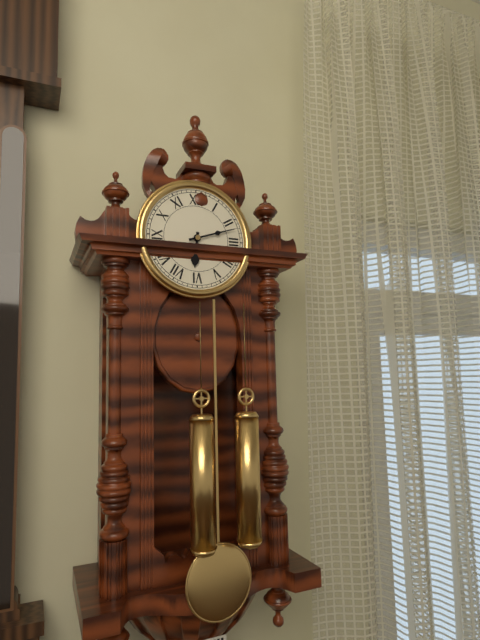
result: **6:12**
